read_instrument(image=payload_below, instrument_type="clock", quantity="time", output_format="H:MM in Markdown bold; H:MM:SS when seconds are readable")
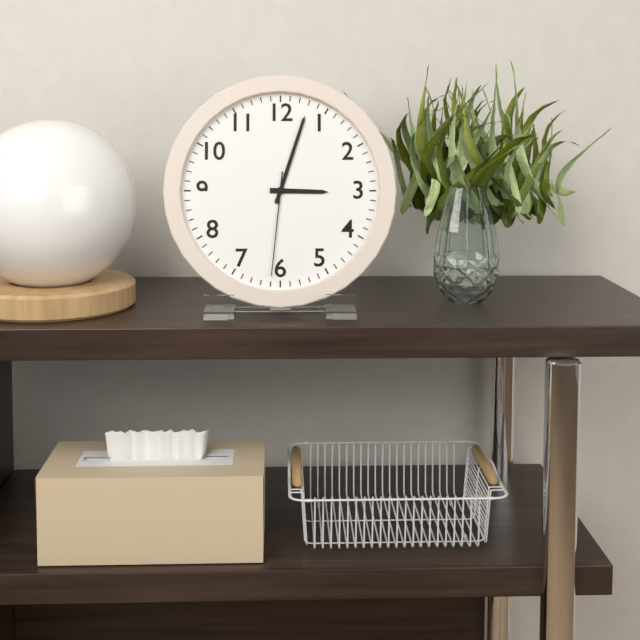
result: **3:03:31**
